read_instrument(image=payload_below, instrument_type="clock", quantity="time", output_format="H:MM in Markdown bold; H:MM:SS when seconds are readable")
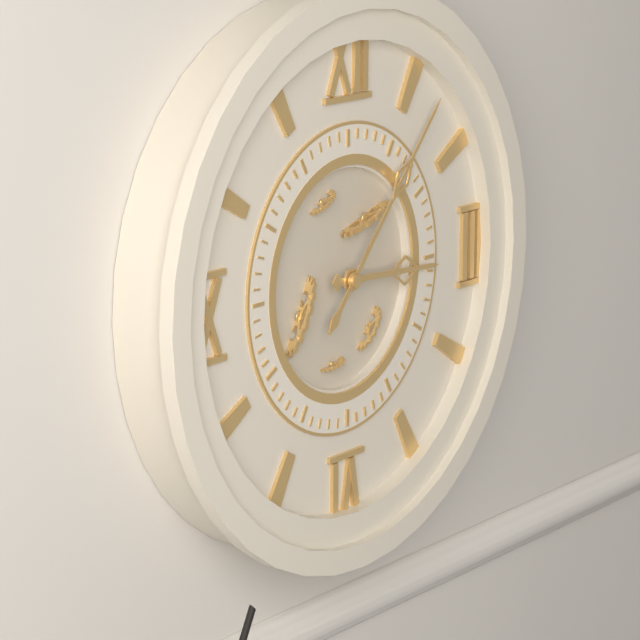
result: **3:07**
